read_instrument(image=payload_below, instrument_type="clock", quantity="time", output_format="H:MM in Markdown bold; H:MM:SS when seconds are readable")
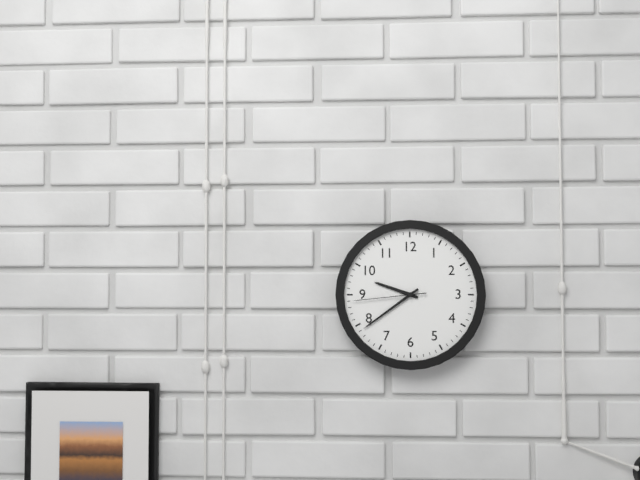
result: **9:39:44**
